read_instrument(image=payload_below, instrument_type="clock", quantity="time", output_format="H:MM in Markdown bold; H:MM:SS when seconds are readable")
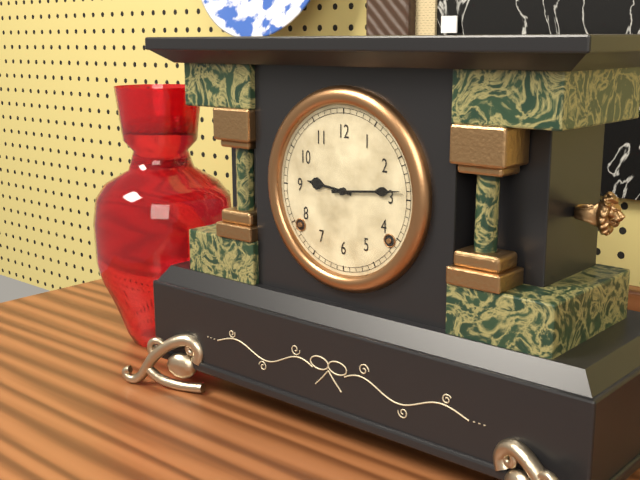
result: **9:14**
